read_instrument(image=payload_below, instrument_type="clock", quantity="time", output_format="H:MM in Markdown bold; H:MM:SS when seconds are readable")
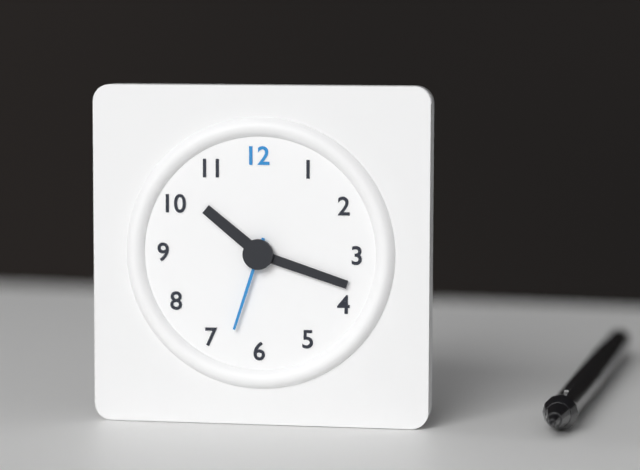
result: **10:18:33**
